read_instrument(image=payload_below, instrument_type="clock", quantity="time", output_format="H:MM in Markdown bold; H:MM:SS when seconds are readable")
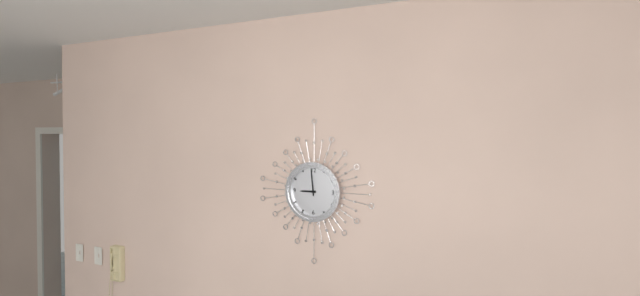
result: **8:59**
